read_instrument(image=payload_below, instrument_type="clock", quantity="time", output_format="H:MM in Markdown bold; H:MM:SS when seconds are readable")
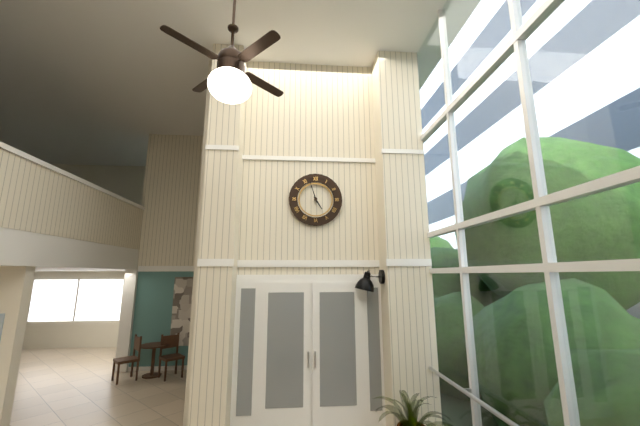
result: **4:57**
